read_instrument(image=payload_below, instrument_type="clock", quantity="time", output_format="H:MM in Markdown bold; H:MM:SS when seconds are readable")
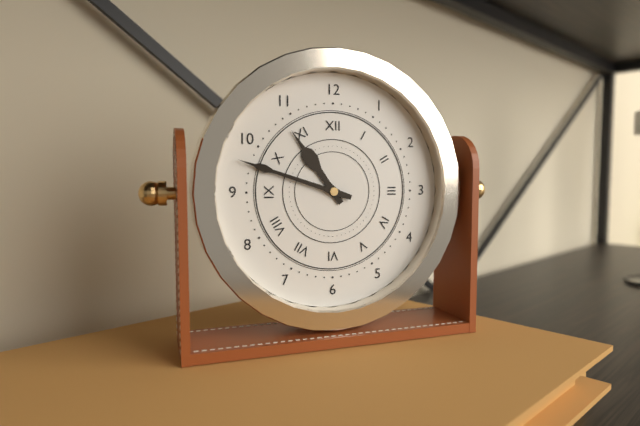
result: **10:48**
